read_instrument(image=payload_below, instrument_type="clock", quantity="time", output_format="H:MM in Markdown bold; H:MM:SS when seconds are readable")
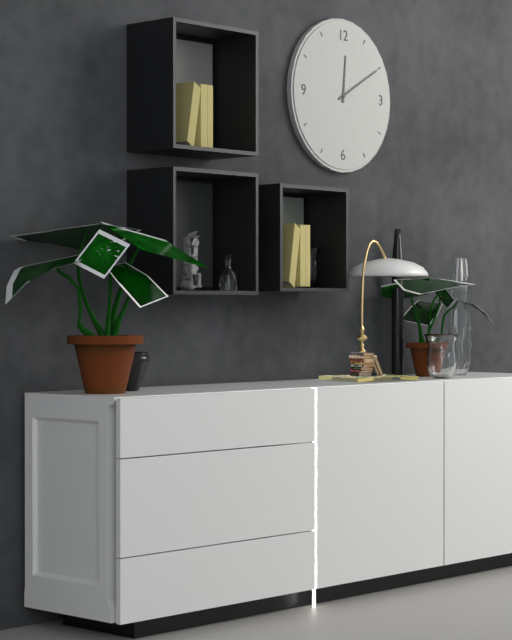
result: **12:10**
